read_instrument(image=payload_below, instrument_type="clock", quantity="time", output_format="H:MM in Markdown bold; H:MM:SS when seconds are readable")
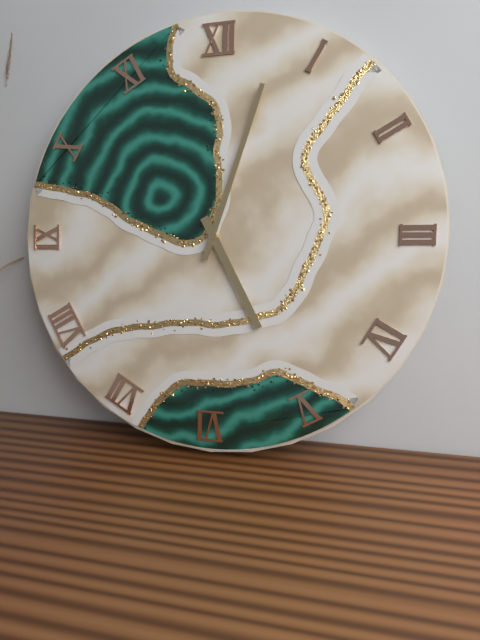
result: **5:03**
